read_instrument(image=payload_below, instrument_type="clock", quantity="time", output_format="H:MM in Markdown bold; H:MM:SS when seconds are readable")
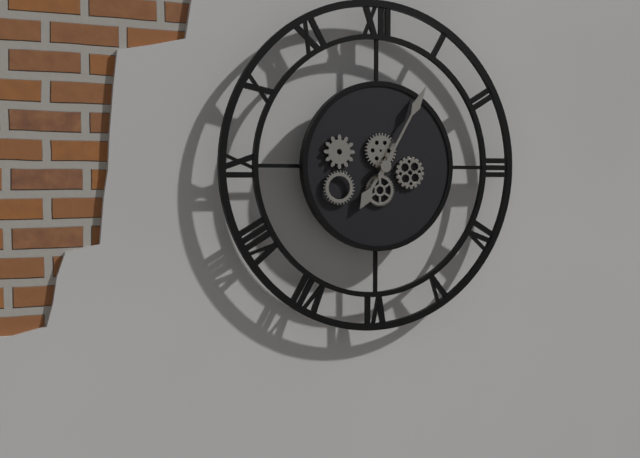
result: **7:05**
